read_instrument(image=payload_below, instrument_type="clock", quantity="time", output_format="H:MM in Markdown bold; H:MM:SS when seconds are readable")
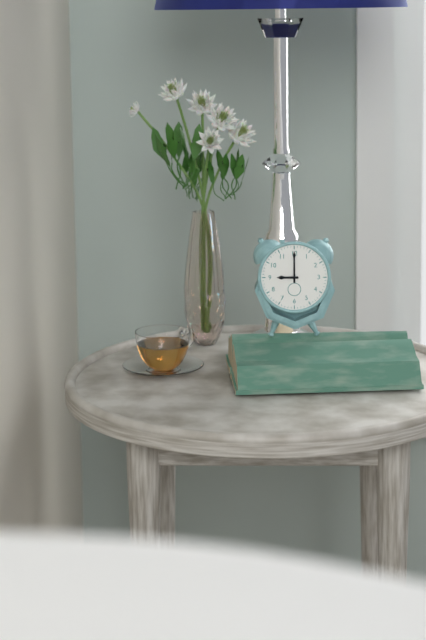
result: **9:00**
